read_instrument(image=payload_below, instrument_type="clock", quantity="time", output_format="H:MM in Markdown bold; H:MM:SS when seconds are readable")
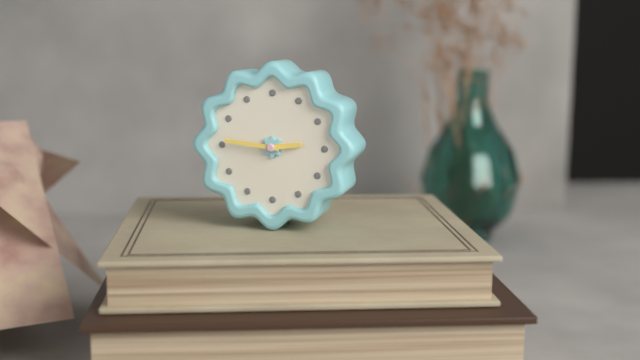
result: **2:46**
